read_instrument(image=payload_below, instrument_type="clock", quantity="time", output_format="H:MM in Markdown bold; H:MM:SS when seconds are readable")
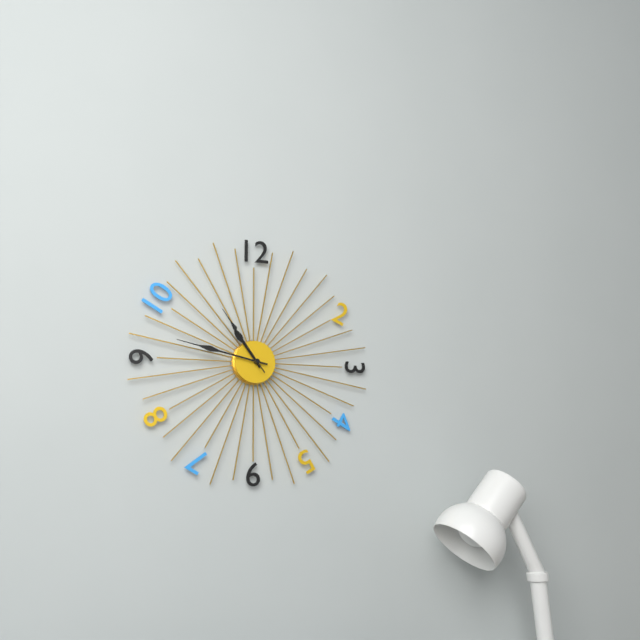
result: **10:47:54**
